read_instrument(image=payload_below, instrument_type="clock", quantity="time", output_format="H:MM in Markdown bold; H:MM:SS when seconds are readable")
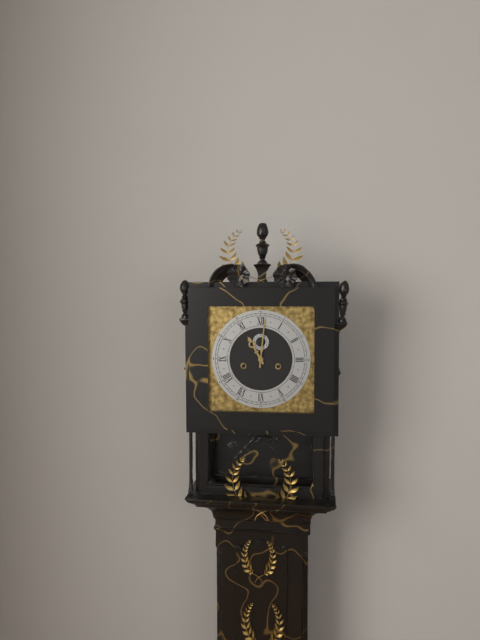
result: **11:01**
